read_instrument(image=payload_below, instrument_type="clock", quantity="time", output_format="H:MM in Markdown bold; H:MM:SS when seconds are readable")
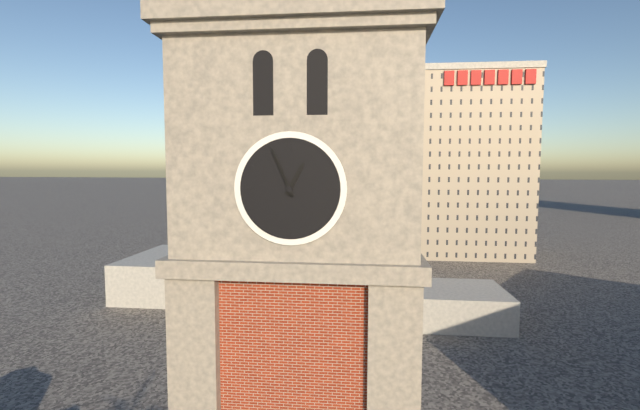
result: **12:56**
